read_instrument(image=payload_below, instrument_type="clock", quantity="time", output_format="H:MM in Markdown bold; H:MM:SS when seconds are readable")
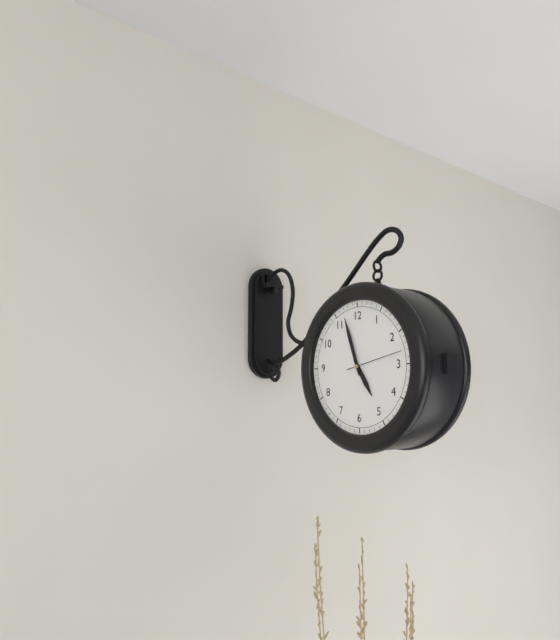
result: **4:57:13**
